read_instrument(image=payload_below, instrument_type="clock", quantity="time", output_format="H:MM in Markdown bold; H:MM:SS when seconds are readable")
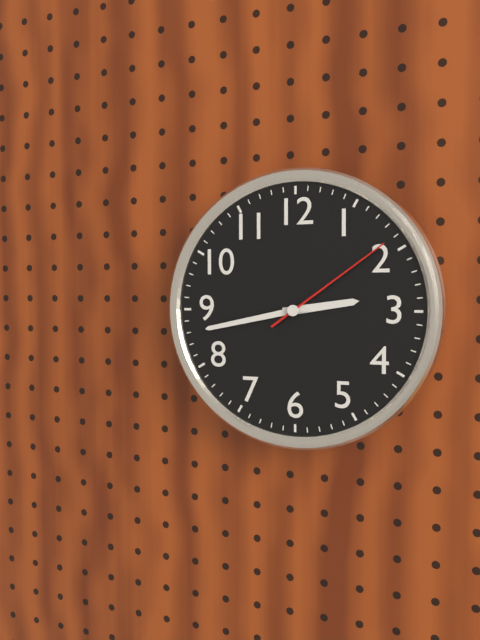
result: **2:43:09**
